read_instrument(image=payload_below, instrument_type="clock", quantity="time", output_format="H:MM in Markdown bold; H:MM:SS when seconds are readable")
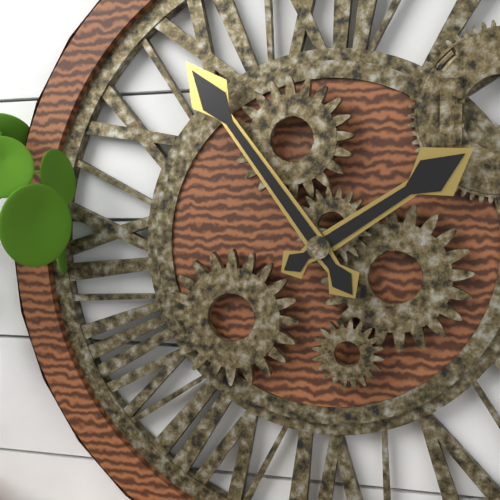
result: **1:54**
